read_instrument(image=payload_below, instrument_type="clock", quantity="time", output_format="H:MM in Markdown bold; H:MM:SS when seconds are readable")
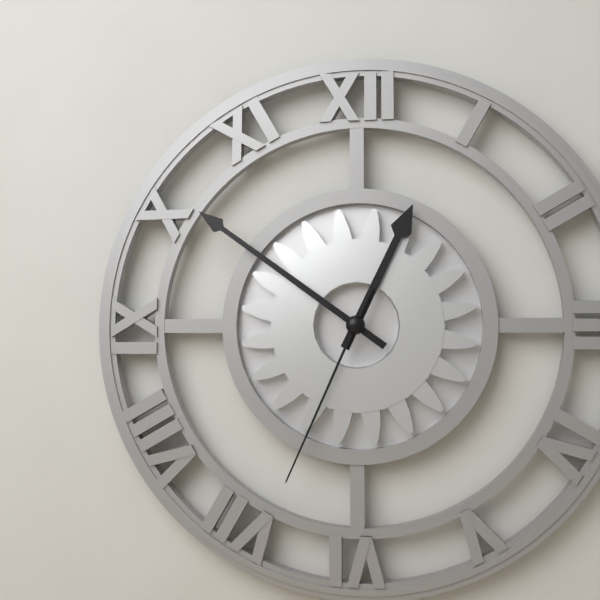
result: **12:51:34**
